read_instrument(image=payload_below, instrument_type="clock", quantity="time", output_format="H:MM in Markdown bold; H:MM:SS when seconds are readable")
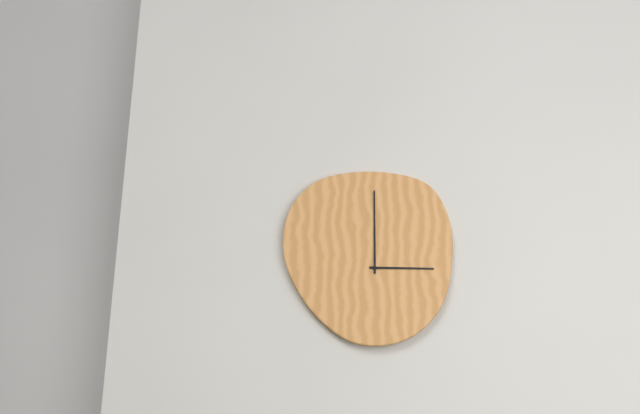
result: **3:00**
